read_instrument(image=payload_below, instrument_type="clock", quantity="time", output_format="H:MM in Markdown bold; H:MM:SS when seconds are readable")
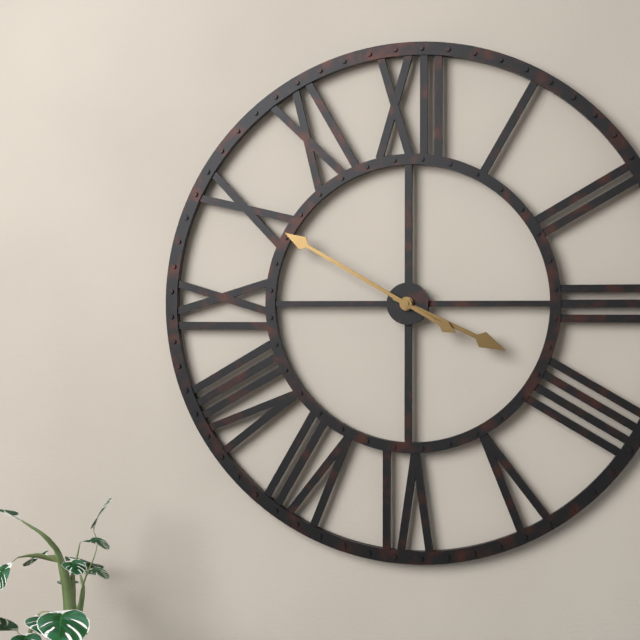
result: **3:50**
